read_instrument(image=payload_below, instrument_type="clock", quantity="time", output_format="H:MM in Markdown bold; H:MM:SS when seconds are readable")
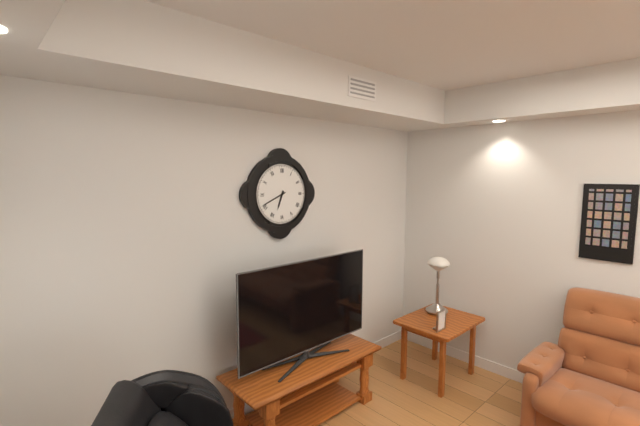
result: **6:41**
